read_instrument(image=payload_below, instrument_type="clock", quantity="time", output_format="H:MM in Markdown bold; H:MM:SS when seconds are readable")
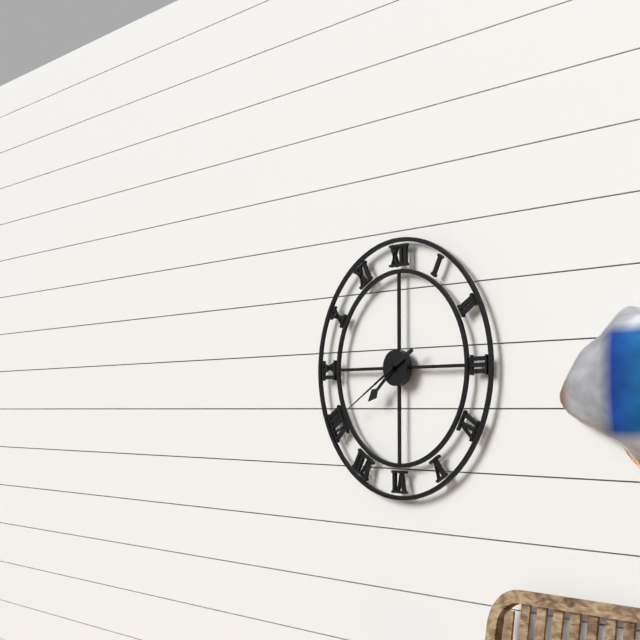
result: **7:40**
